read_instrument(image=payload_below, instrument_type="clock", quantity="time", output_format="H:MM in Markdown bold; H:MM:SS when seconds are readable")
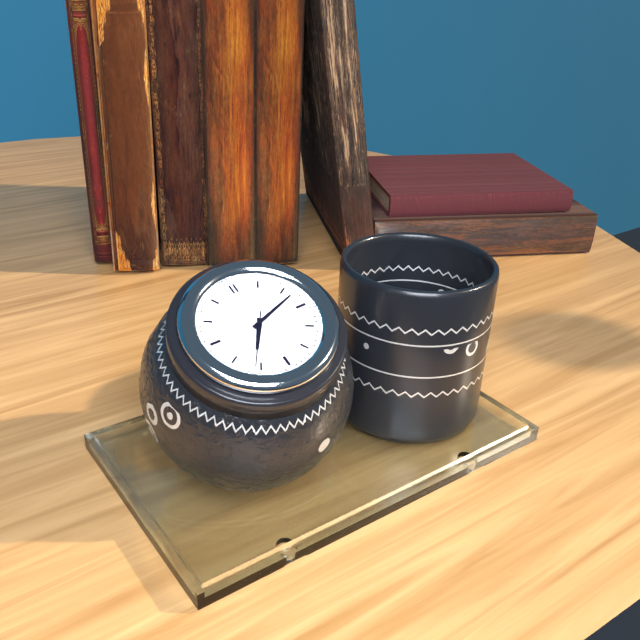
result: **7:12:36**
